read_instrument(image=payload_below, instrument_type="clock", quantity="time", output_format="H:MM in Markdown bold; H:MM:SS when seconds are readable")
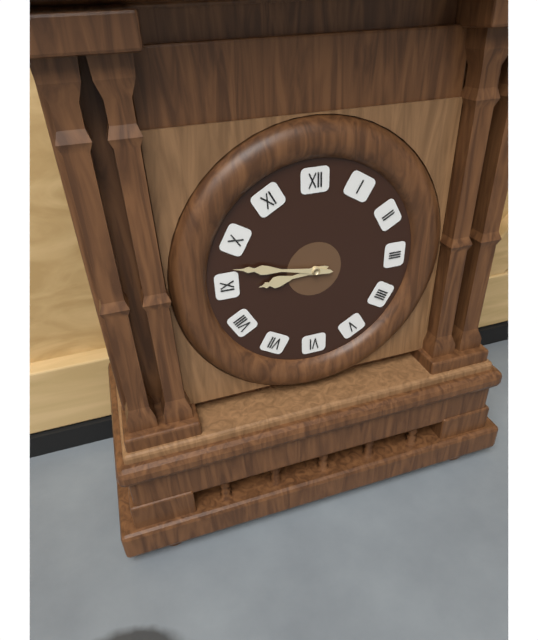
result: **8:47**
